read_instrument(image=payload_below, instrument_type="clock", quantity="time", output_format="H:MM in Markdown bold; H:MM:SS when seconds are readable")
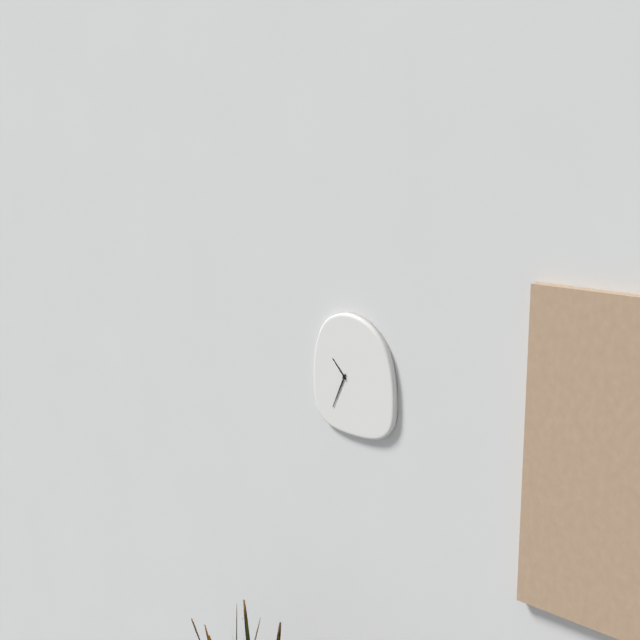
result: **10:34**
